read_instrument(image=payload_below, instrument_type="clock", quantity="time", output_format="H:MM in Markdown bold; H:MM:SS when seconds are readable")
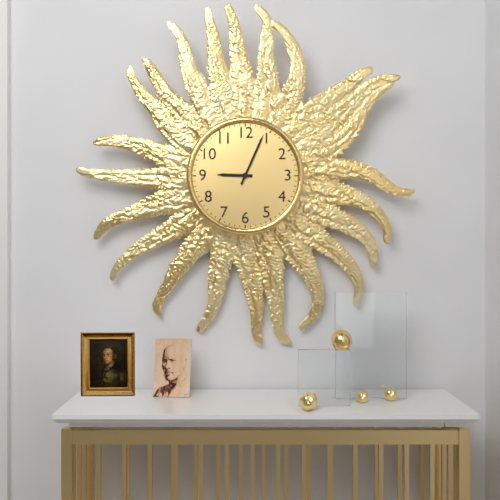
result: **9:04**
